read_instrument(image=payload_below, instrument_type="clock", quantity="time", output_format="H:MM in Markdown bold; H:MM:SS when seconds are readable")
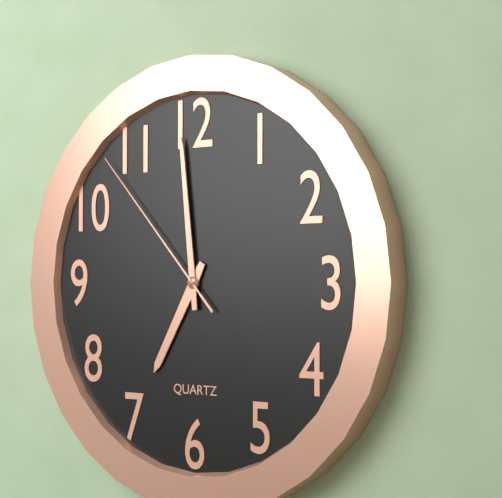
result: **6:59:53**
